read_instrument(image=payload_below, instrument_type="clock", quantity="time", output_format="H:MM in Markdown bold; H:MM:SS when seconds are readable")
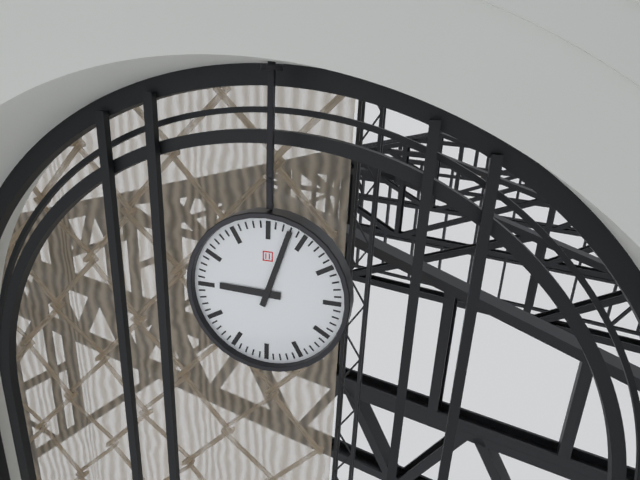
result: **9:03**
